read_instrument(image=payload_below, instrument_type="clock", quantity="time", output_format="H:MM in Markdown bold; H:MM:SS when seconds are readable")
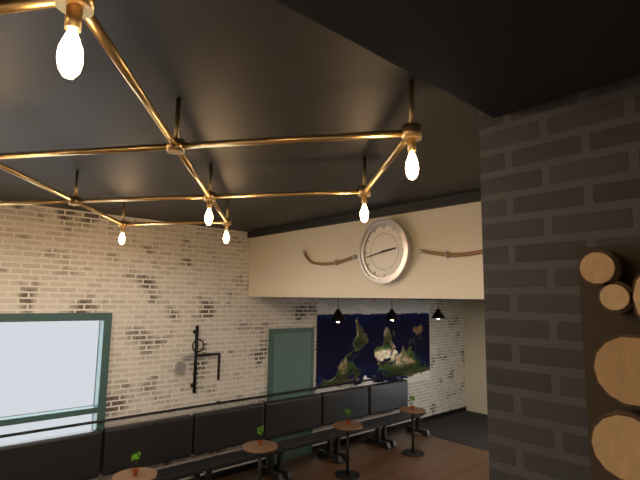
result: **2:43**
